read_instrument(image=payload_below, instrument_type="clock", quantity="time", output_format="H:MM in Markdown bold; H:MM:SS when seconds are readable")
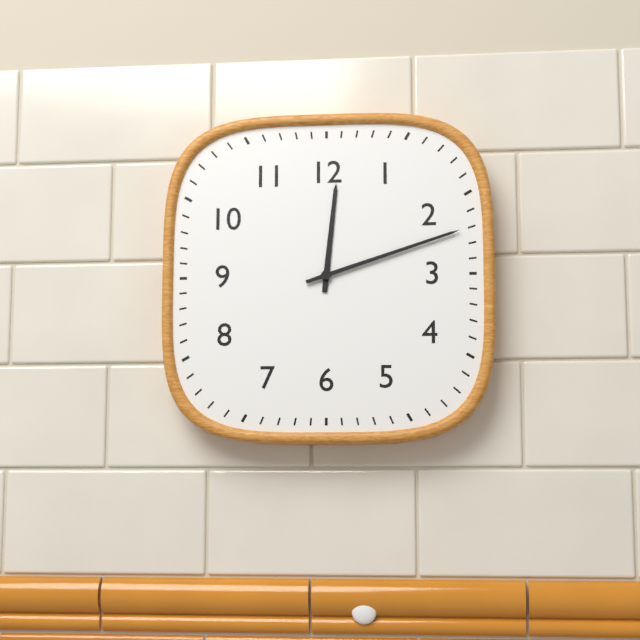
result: **12:12**
